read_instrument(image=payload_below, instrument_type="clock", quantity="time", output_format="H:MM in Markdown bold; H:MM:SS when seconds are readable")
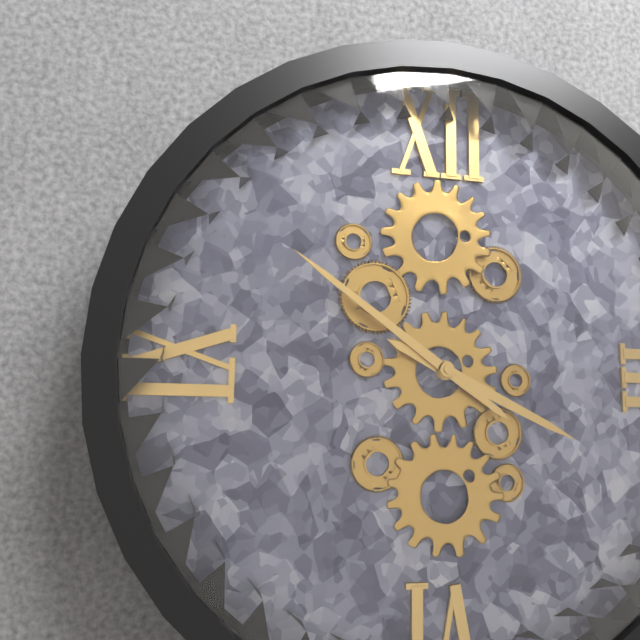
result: **3:51**
